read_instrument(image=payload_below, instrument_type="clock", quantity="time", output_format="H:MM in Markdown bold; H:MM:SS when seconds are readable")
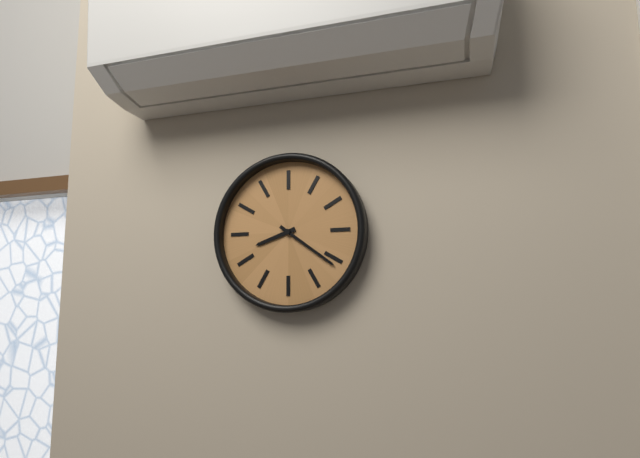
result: **8:21**
